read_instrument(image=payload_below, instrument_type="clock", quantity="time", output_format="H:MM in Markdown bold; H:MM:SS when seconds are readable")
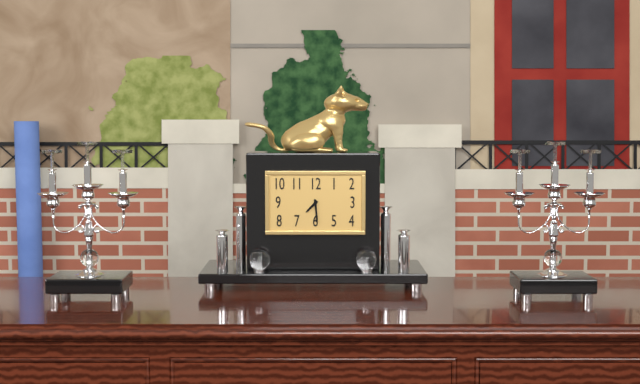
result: **7:29**
